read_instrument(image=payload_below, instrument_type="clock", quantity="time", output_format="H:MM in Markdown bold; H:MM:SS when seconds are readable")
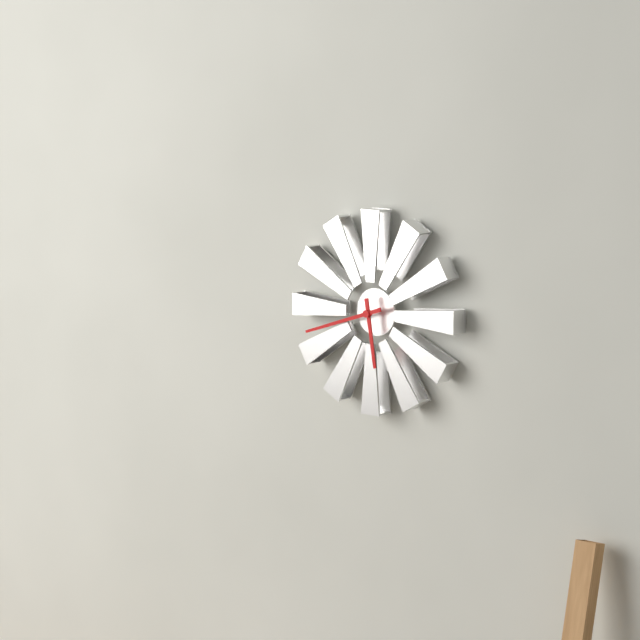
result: **5:42**
